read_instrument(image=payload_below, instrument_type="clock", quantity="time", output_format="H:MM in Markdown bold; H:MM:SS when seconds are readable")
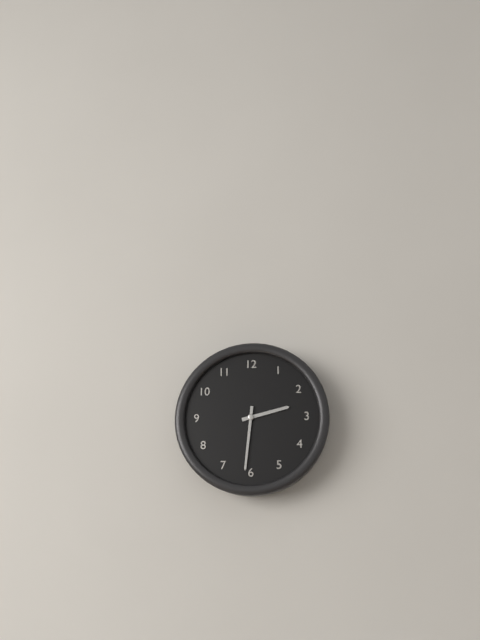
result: **2:31**
